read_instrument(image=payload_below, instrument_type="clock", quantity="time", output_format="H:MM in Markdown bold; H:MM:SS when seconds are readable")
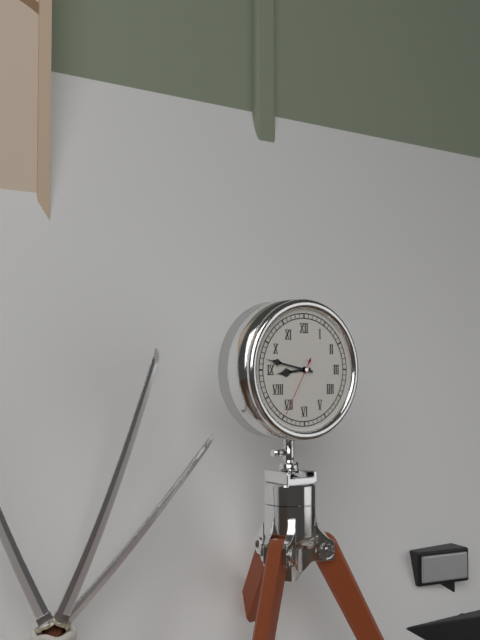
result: **8:47:35**
